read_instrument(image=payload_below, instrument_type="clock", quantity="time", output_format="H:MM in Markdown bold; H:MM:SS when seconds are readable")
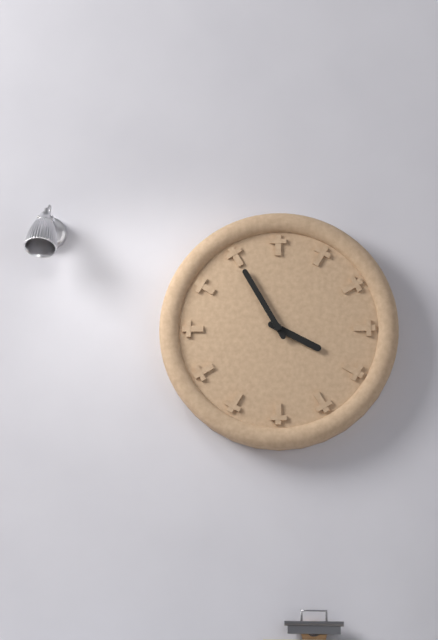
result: **3:55**
